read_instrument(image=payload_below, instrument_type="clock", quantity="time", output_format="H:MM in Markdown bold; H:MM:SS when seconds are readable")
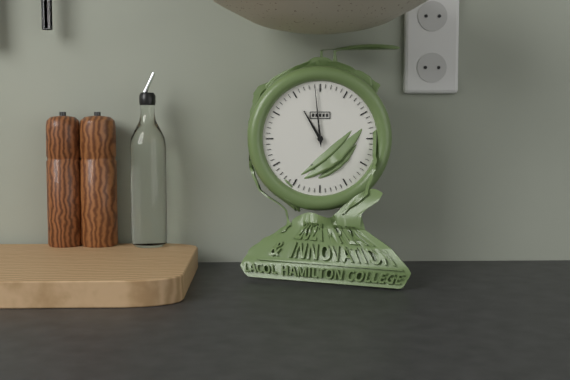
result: **10:59**
